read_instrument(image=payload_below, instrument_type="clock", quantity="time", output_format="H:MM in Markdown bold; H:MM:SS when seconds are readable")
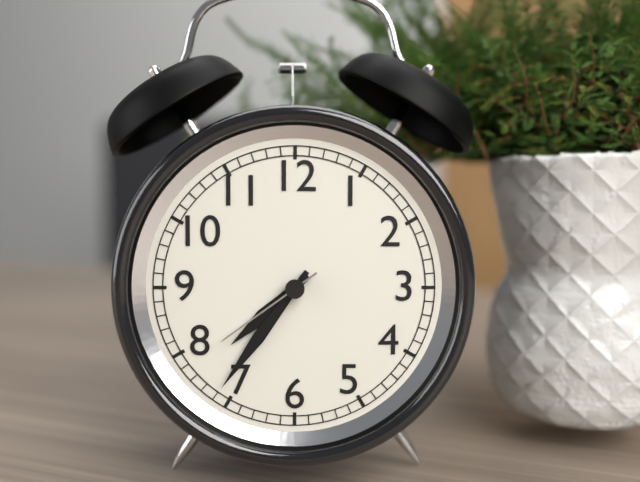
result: **7:36:39**
